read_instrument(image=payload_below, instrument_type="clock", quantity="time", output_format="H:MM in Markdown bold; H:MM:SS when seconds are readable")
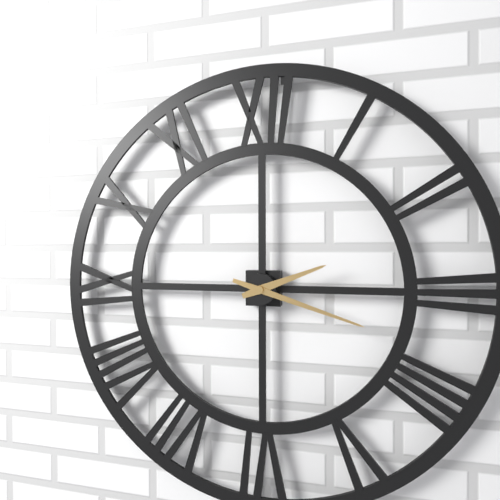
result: **2:18**
